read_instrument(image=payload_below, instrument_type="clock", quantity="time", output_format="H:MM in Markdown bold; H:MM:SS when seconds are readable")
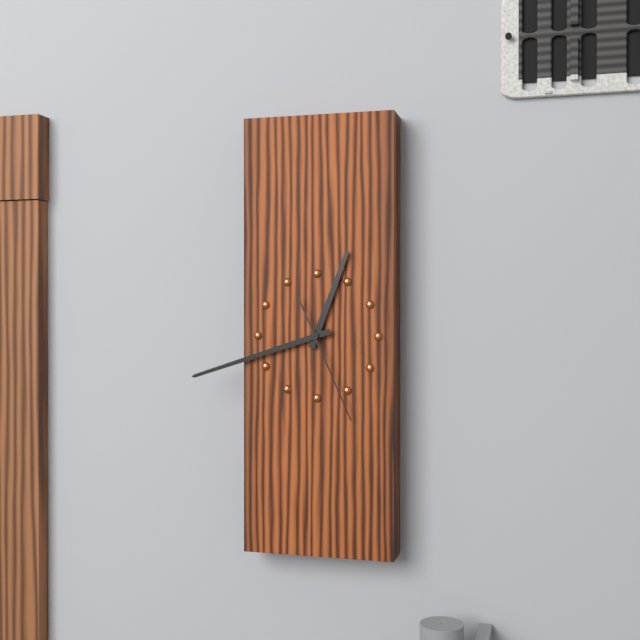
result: **12:42:26**
